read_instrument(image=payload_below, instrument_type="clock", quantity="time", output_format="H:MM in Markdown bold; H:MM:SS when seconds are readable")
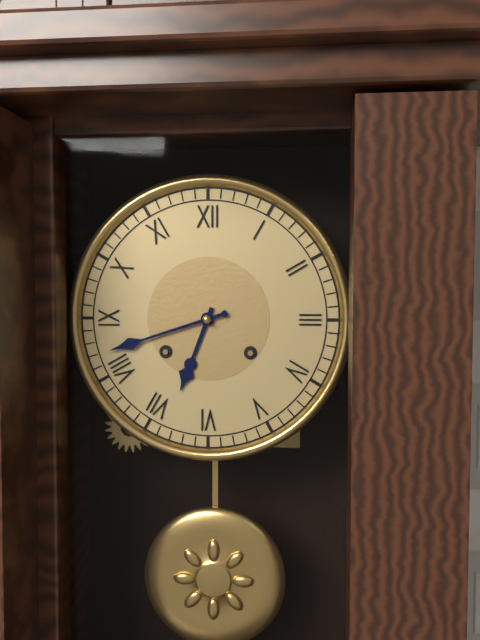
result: **6:42**
